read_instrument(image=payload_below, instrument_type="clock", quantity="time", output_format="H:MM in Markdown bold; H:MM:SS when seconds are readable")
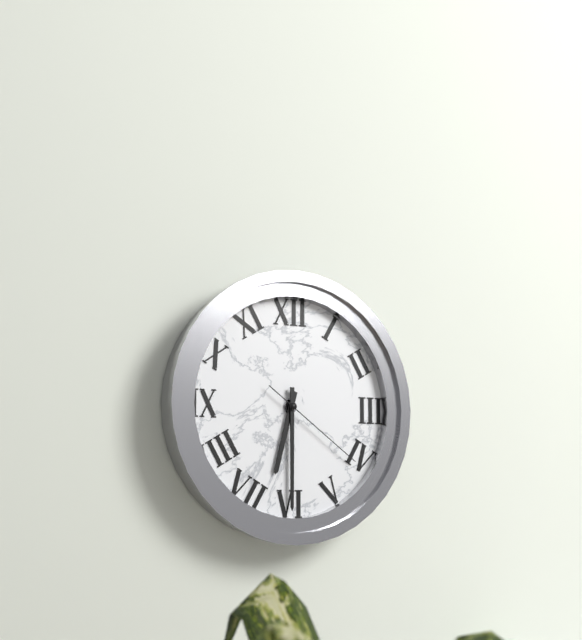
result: **6:30:21**
